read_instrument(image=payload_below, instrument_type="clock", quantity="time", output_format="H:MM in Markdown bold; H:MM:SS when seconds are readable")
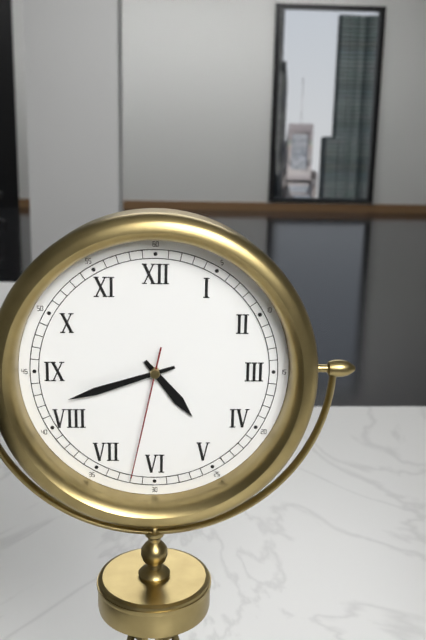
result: **4:42:32**
